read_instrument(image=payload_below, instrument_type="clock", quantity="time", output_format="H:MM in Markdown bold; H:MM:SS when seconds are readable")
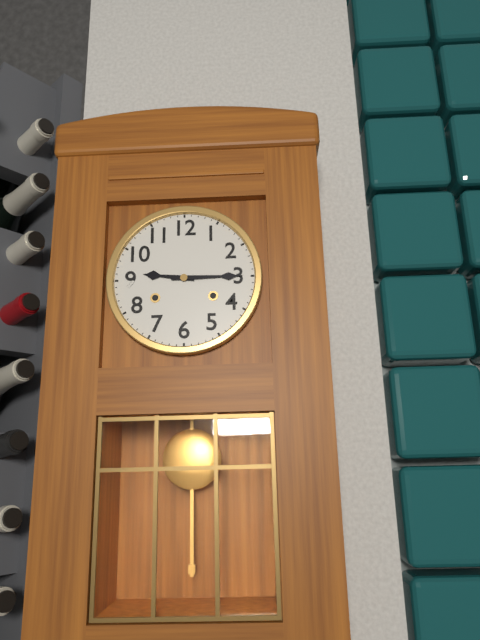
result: **9:15**
